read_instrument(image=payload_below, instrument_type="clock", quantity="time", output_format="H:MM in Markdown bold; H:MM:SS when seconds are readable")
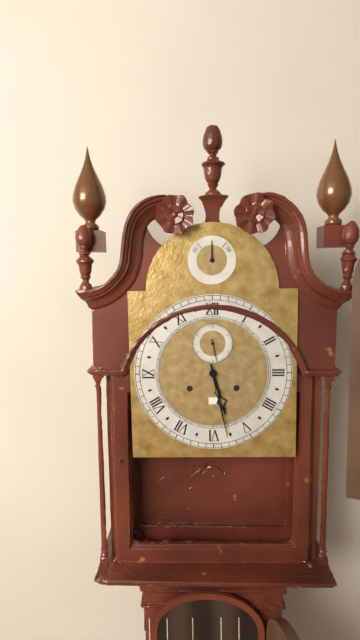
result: **5:28**
